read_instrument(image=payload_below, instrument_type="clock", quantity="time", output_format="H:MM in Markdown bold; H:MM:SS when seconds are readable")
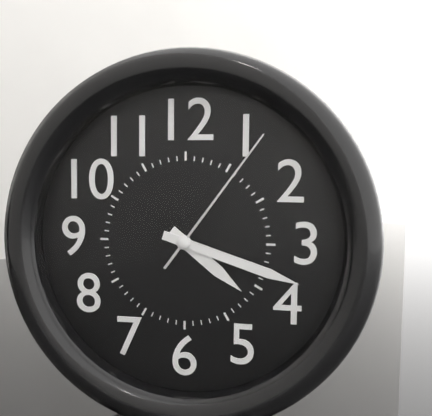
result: **4:18:06**
